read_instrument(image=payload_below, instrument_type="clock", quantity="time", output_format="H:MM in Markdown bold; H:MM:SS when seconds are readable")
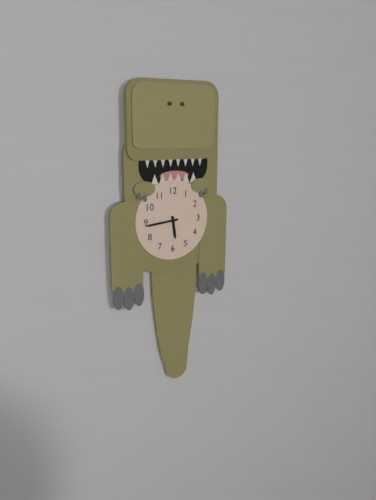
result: **5:44**
